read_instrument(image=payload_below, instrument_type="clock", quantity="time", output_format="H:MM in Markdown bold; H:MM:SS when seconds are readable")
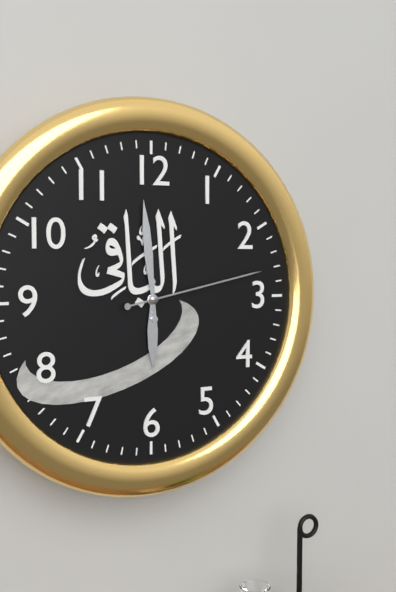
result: **5:59:13**
